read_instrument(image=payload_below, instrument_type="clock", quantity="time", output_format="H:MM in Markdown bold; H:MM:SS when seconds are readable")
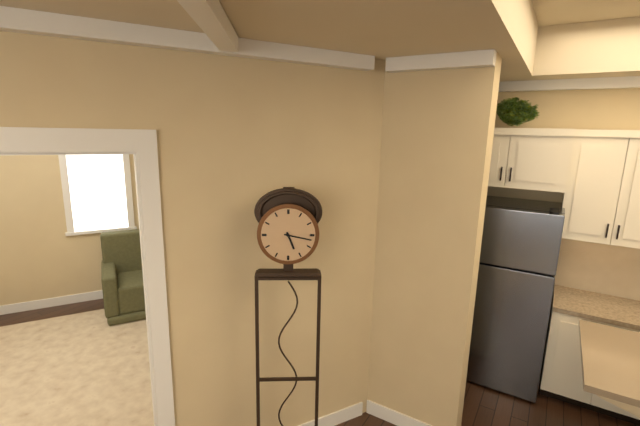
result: **5:17**
